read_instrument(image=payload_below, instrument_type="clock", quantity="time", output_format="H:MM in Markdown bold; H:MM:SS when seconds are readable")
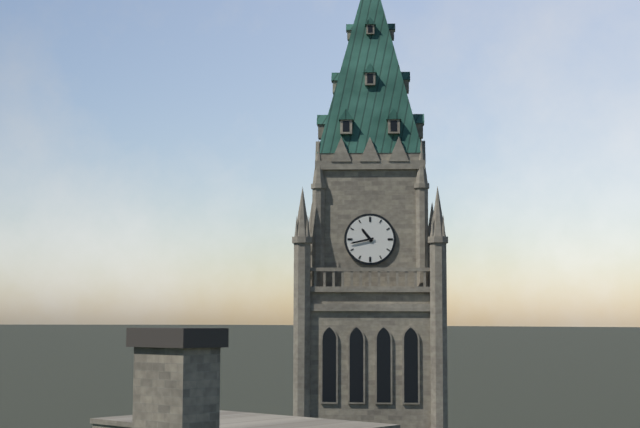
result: **10:43**
